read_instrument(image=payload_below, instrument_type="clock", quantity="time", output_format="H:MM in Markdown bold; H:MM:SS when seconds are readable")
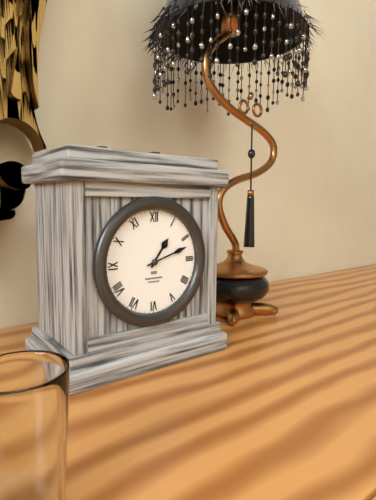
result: **1:12**
